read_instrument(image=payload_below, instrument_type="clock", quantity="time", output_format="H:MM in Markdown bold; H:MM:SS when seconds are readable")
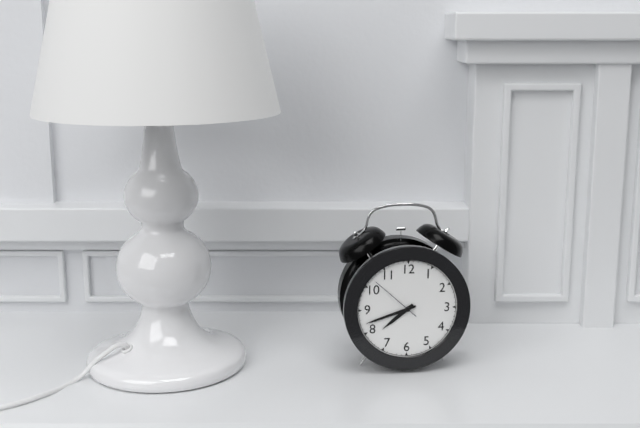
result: **7:42:52**
